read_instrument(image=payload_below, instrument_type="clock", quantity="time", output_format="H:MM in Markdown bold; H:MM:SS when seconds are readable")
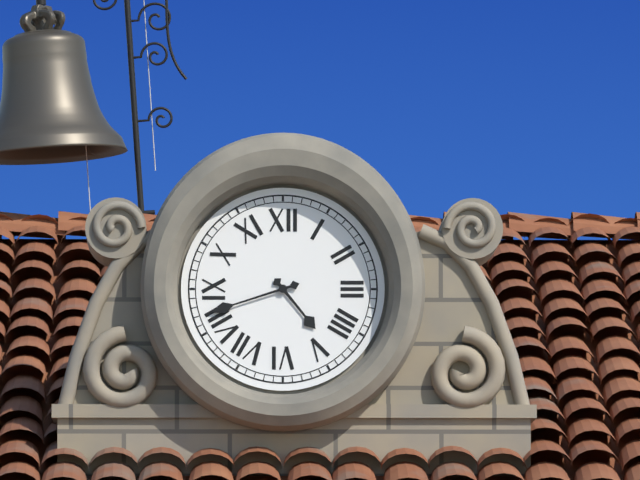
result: **4:42**
